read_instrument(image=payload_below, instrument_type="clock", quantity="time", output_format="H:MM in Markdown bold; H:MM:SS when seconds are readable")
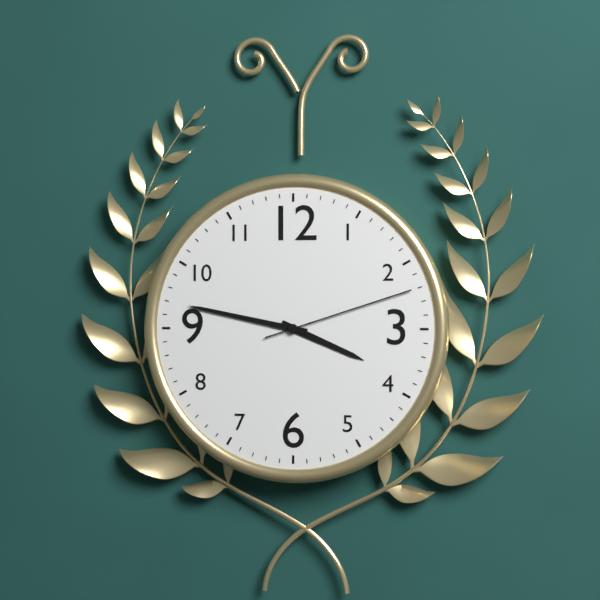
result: **3:47:12**
